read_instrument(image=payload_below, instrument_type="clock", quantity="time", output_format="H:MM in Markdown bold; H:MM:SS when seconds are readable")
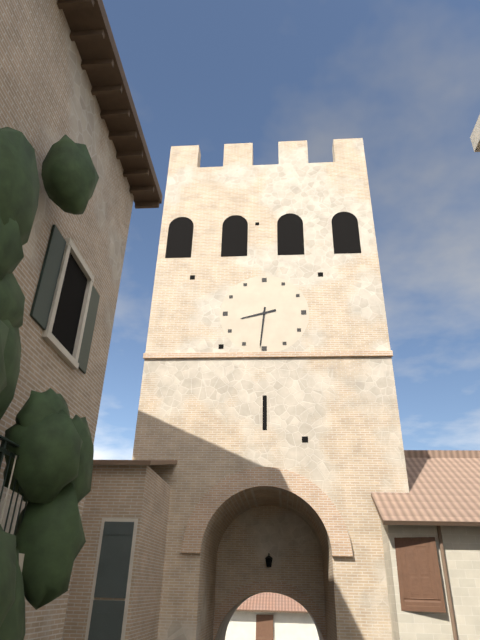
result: **8:31**
